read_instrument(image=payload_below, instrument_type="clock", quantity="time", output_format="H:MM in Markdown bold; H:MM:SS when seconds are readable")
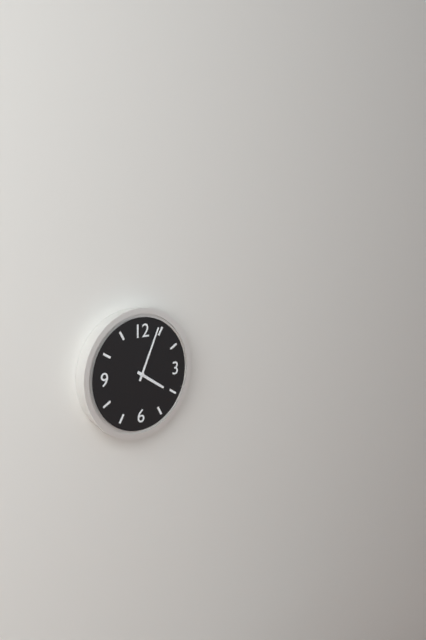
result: **4:04**
